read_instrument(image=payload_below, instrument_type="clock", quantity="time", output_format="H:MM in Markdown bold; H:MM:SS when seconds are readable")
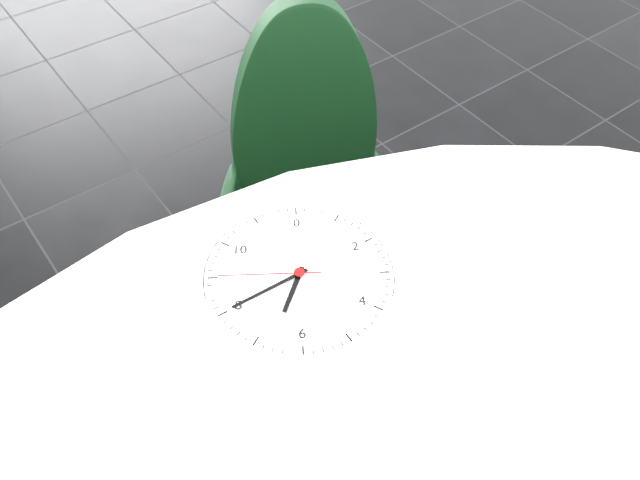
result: **6:40:45**
